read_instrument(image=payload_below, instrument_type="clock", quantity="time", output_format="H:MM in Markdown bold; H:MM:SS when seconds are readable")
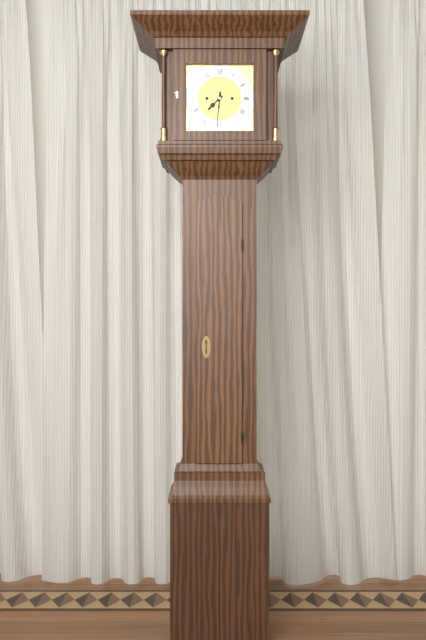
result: **7:31**
